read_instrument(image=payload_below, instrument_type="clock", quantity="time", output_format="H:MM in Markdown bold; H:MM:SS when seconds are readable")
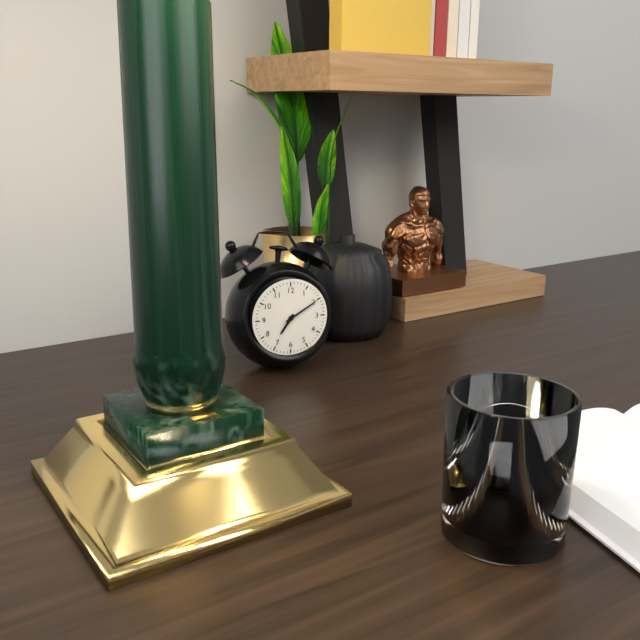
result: **7:10**
